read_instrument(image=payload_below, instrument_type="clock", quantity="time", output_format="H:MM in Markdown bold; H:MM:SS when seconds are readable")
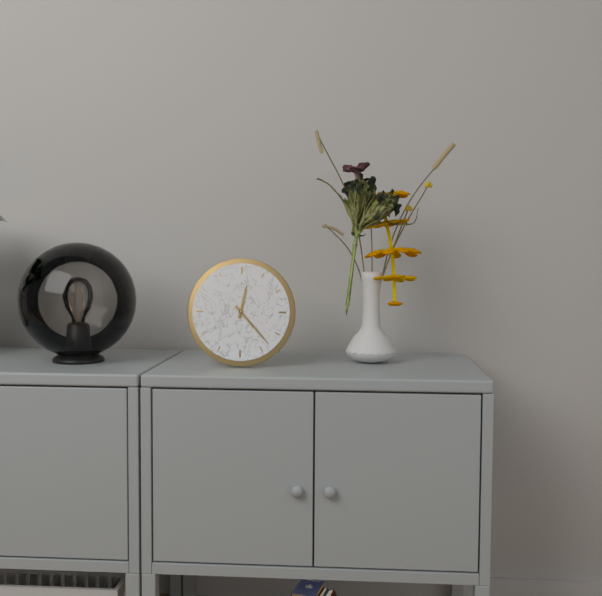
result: **12:23**
